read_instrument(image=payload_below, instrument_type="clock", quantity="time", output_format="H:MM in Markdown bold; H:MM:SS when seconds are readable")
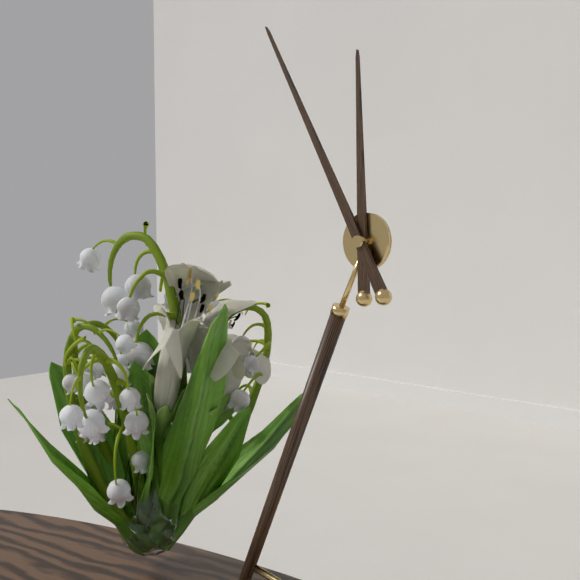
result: **11:55**
